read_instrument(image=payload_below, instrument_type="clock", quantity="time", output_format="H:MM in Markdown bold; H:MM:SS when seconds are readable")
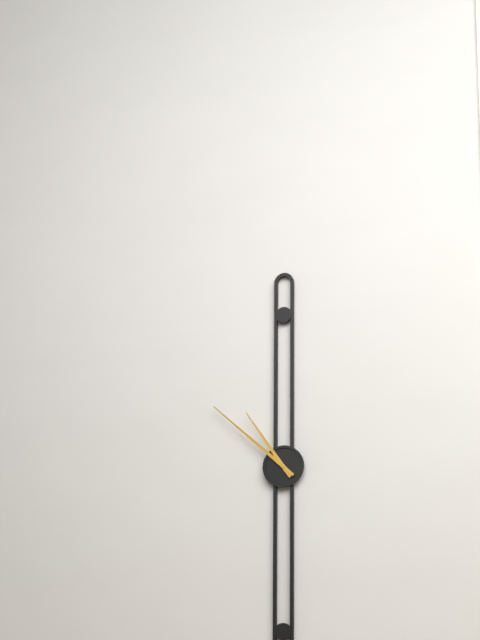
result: **10:52**
